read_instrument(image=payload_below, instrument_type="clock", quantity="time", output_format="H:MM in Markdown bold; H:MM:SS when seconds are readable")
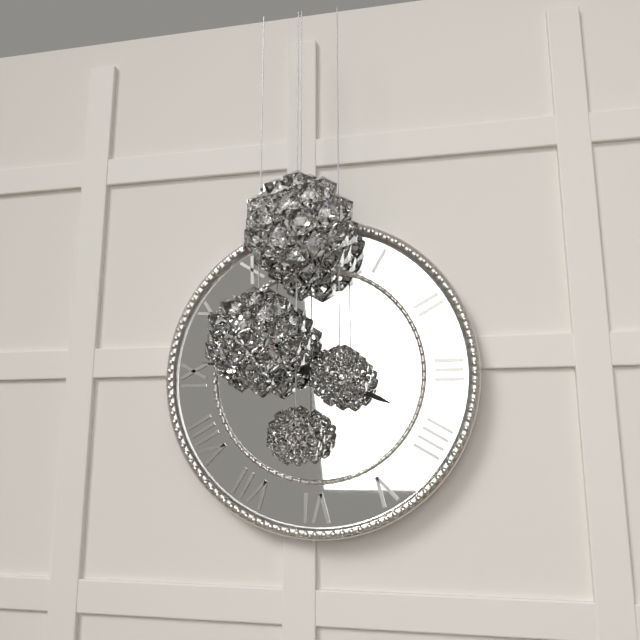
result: **3:46**
